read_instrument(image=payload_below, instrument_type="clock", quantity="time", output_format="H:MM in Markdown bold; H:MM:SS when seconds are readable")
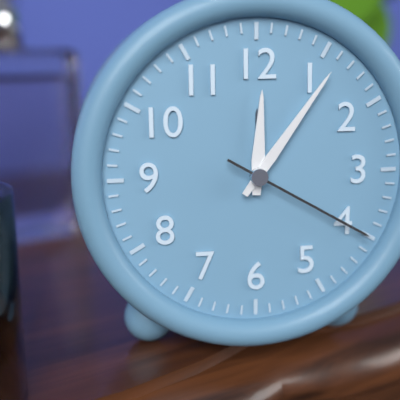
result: **12:06:20**
